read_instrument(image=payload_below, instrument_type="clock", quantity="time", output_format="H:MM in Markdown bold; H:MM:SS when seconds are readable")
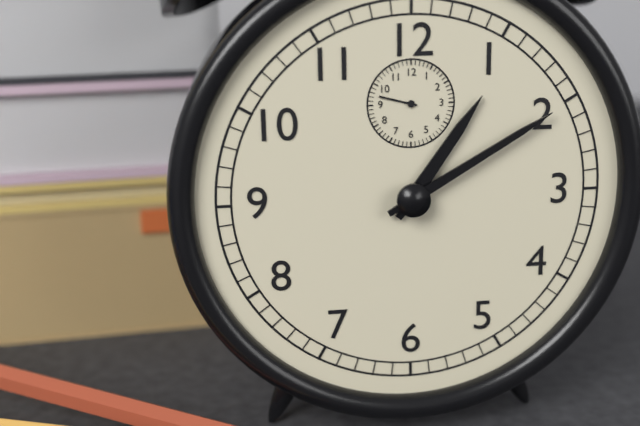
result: **1:10**
